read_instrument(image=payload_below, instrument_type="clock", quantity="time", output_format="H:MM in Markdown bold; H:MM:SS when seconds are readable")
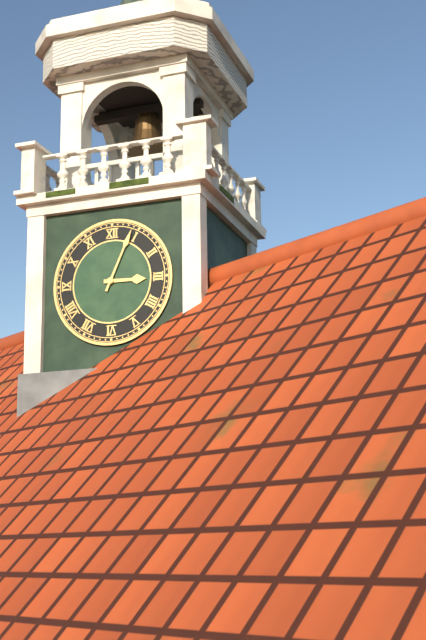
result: **3:04**
